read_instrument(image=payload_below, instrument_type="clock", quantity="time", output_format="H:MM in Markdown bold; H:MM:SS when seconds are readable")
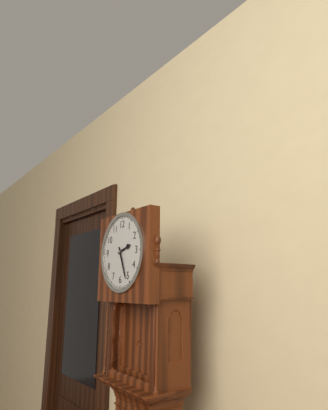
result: **2:26**
